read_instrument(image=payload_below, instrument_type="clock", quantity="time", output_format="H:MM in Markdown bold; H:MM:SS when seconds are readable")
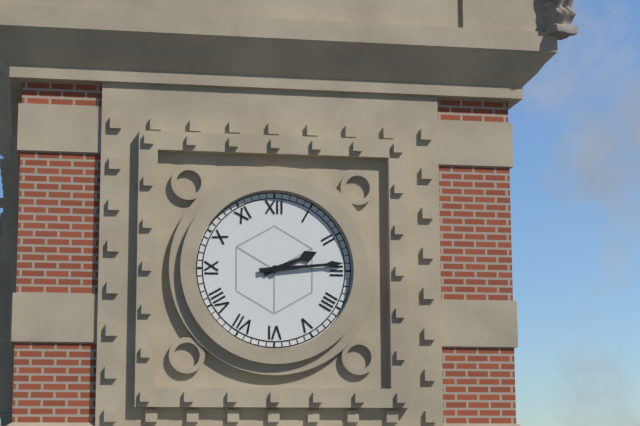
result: **2:14**
